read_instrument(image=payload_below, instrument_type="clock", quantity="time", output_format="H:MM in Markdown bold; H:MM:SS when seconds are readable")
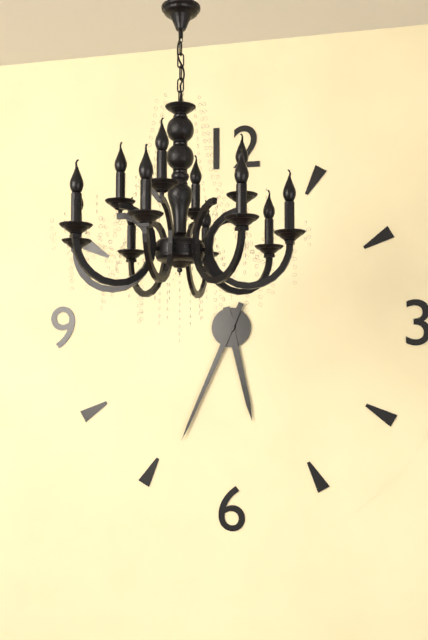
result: **5:34**
